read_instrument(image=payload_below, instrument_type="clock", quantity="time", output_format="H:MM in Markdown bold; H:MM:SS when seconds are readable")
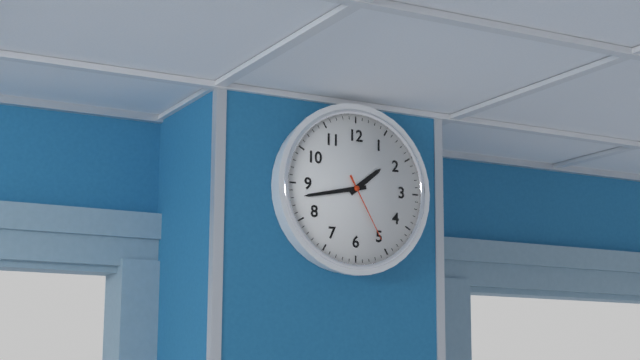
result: **1:43:25**
